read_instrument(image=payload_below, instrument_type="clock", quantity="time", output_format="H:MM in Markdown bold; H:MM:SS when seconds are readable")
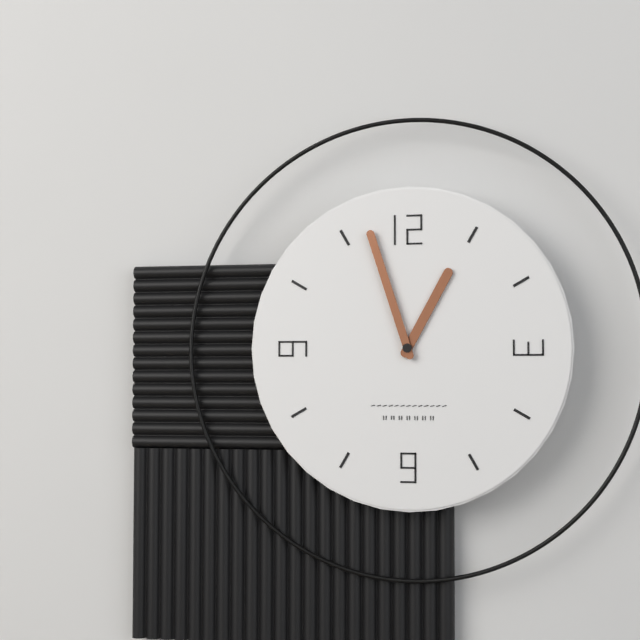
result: **12:57**
